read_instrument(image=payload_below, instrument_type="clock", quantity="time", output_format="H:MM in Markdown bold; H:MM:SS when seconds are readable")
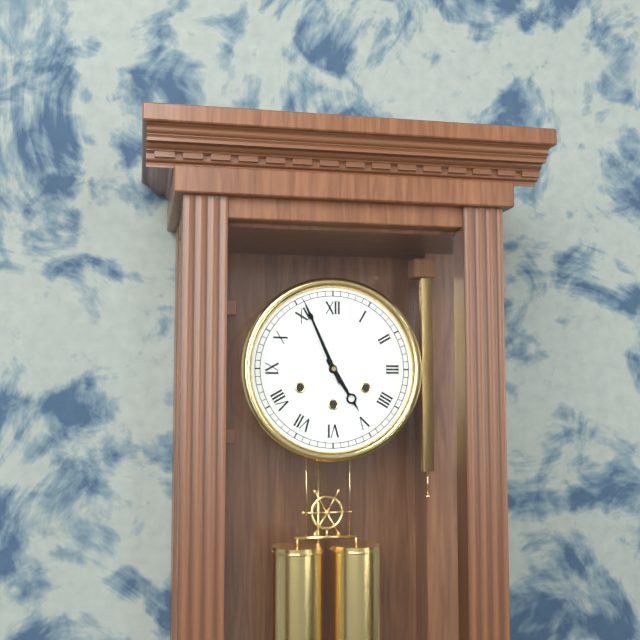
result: **4:56**
